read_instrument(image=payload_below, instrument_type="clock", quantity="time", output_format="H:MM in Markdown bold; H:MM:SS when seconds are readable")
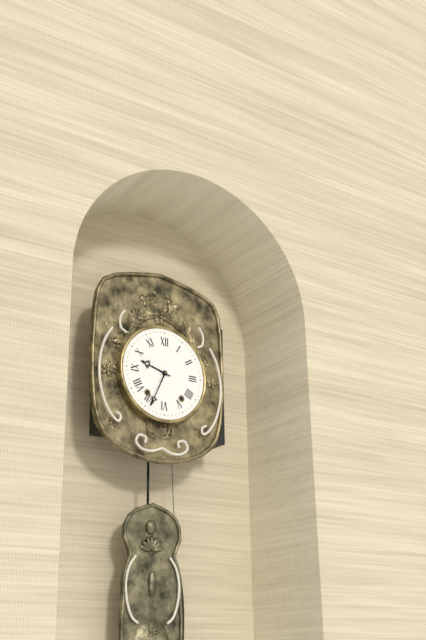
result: **9:34**
